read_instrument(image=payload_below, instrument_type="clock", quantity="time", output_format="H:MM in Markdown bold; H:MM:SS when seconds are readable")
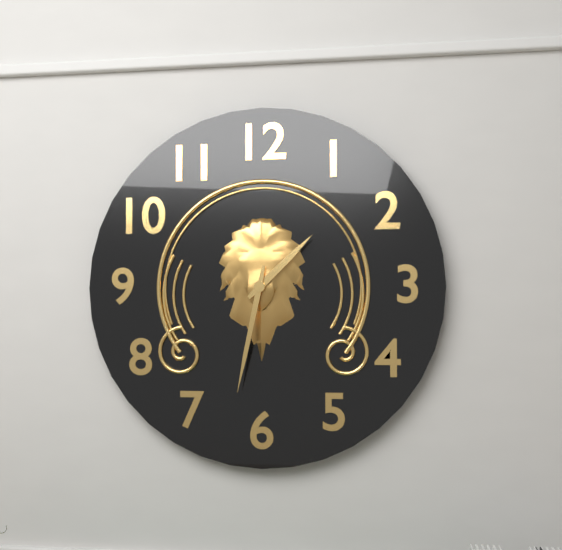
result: **1:32**
